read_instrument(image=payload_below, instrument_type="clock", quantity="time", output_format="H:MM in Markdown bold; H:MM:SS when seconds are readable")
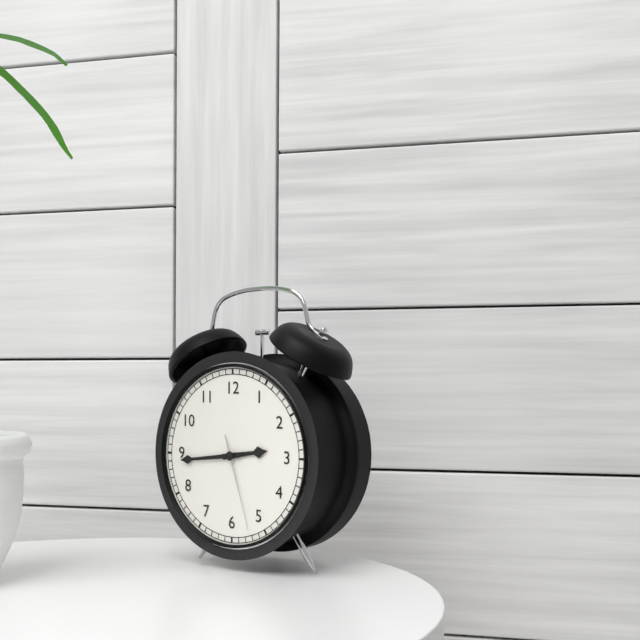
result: **2:44:27**
